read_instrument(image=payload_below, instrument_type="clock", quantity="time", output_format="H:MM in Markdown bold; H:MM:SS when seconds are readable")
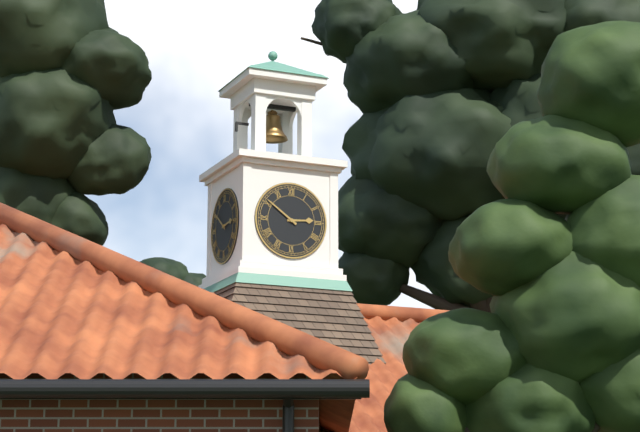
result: **2:51**
